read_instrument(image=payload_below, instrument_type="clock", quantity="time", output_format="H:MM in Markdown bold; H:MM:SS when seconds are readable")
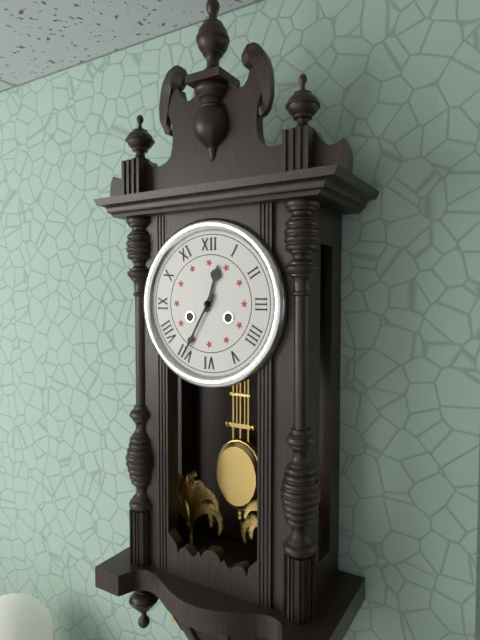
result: **12:35**
